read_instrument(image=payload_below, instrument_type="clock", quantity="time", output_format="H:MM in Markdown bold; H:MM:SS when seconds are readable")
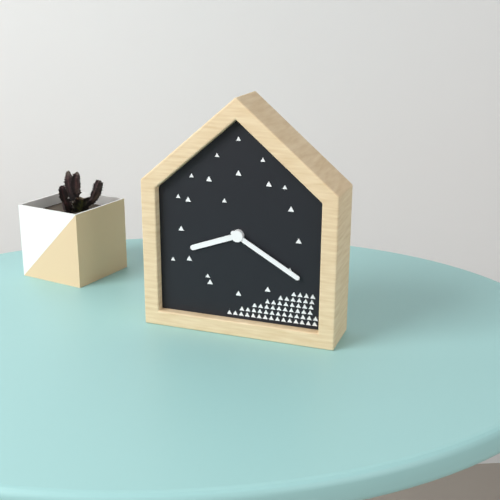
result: **8:20**
